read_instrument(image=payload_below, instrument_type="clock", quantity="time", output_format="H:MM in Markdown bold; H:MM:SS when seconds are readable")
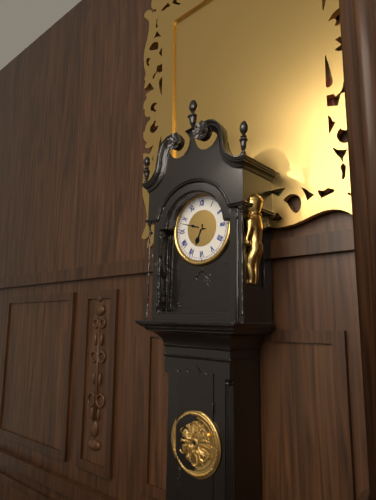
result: **6:48**
